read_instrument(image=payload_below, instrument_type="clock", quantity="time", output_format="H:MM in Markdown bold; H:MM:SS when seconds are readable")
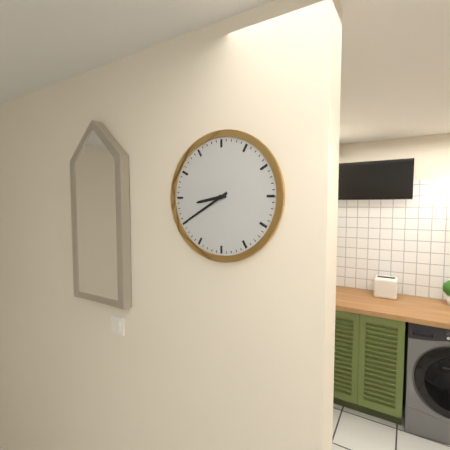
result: **8:40**
